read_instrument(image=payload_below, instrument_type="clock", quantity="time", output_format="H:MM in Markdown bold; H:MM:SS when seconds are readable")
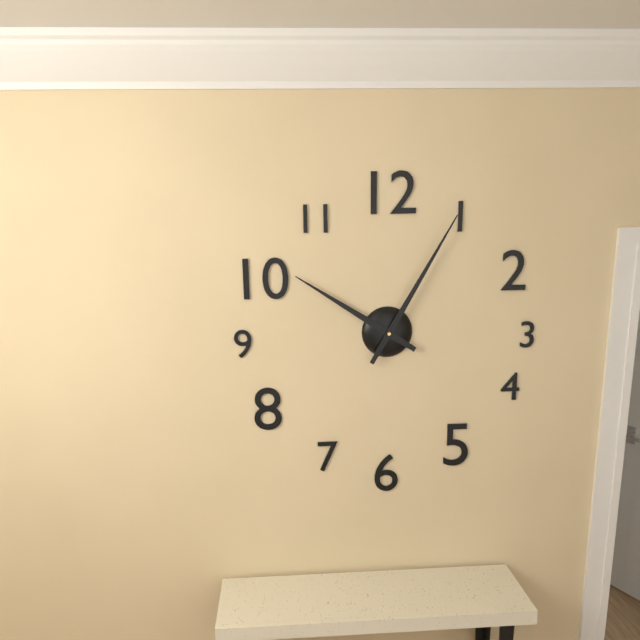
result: **10:05**
